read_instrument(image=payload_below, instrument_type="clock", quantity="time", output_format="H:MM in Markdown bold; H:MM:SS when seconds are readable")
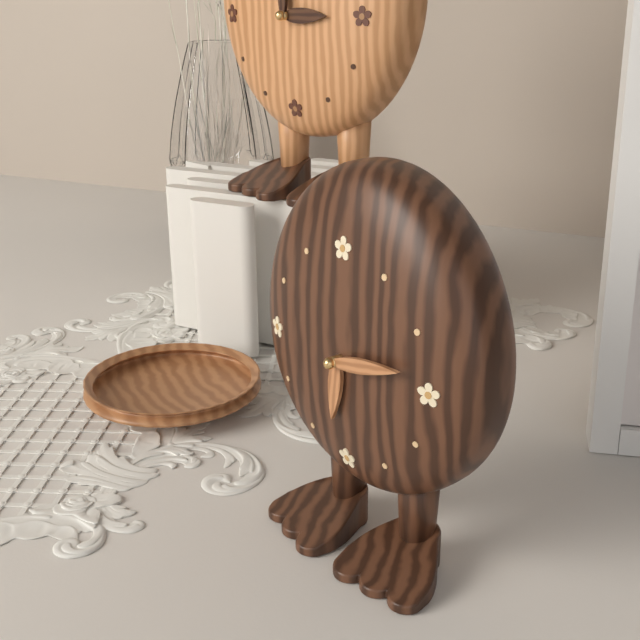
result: **6:13**
